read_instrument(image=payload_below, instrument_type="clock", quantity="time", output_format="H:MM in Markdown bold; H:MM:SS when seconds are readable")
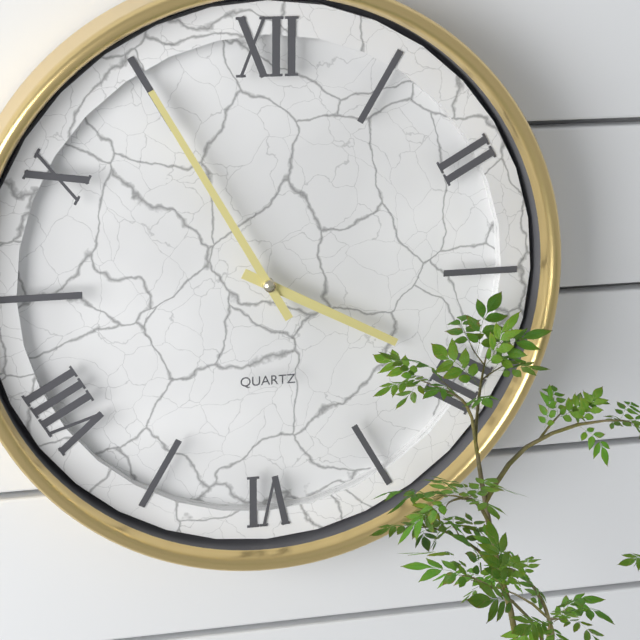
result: **3:55**
